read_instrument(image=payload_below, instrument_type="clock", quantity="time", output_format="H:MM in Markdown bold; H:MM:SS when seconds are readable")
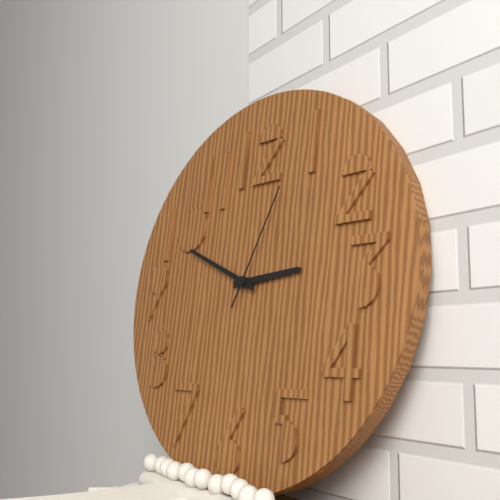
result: **2:49:04**
